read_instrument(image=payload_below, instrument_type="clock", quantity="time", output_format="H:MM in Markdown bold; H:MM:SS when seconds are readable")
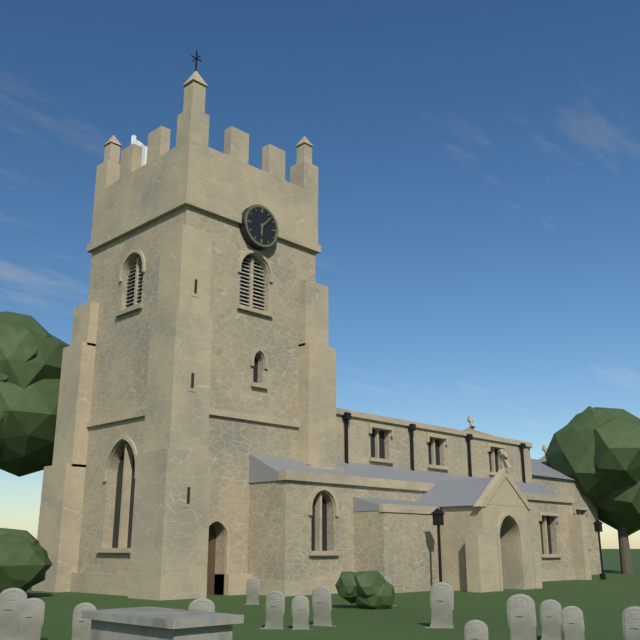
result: **6:07**
